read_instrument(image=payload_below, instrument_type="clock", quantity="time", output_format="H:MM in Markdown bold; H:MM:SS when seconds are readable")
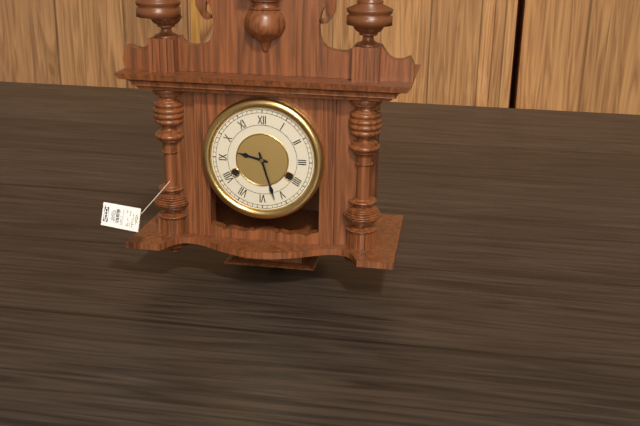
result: **9:27**
